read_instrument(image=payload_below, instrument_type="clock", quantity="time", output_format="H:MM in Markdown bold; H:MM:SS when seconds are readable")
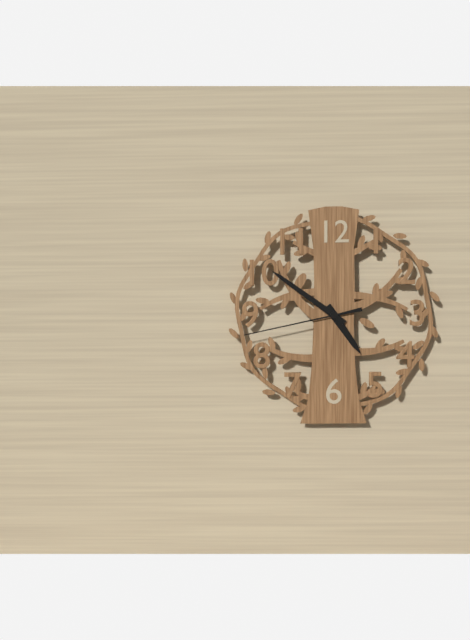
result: **4:51:43**
